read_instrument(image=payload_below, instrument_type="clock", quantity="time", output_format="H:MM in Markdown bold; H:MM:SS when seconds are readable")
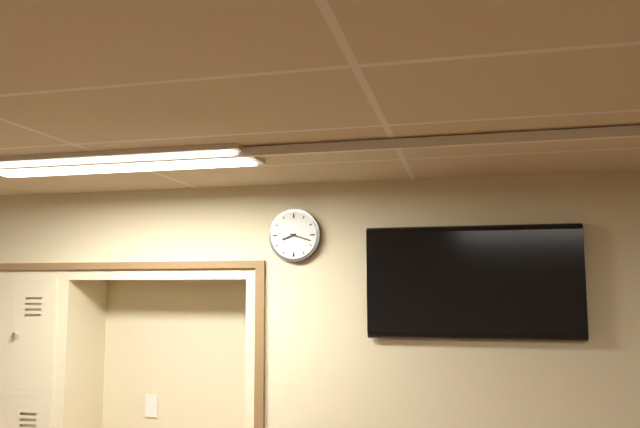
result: **8:18**
